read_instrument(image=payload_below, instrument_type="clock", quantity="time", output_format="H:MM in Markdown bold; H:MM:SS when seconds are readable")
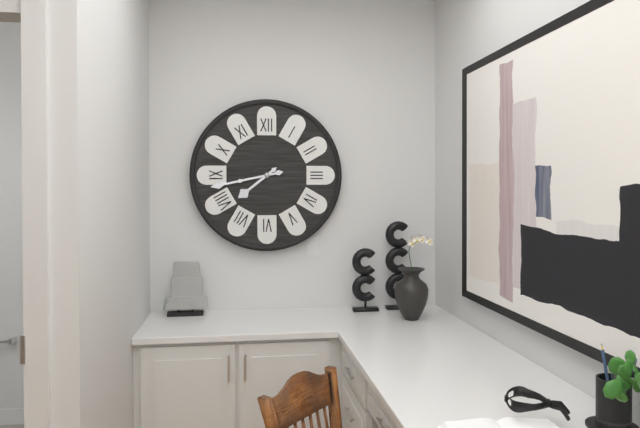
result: **7:43**
